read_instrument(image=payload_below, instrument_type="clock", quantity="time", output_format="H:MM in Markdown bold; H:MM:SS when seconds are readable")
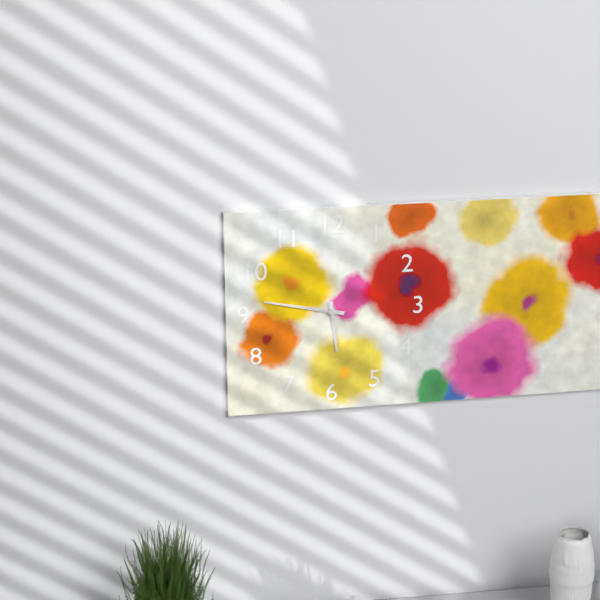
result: **5:47**
